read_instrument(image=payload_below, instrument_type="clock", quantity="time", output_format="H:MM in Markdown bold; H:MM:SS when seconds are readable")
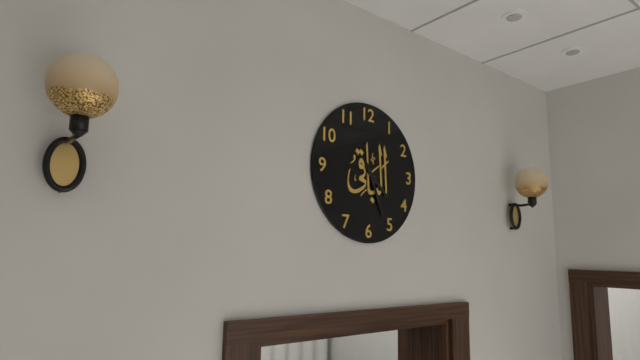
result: **4:26**
